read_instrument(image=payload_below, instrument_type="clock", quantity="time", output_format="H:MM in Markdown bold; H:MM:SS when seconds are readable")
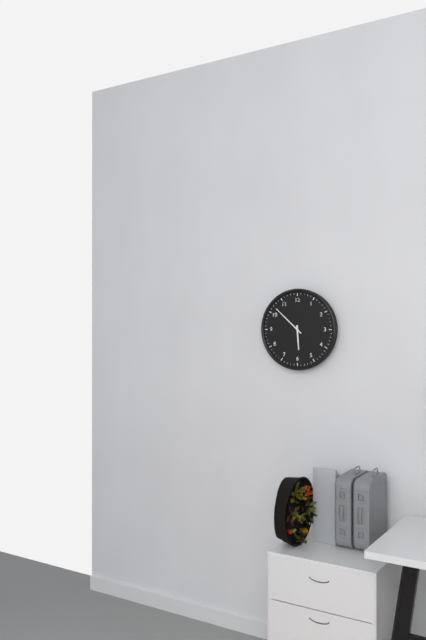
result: **5:52**
